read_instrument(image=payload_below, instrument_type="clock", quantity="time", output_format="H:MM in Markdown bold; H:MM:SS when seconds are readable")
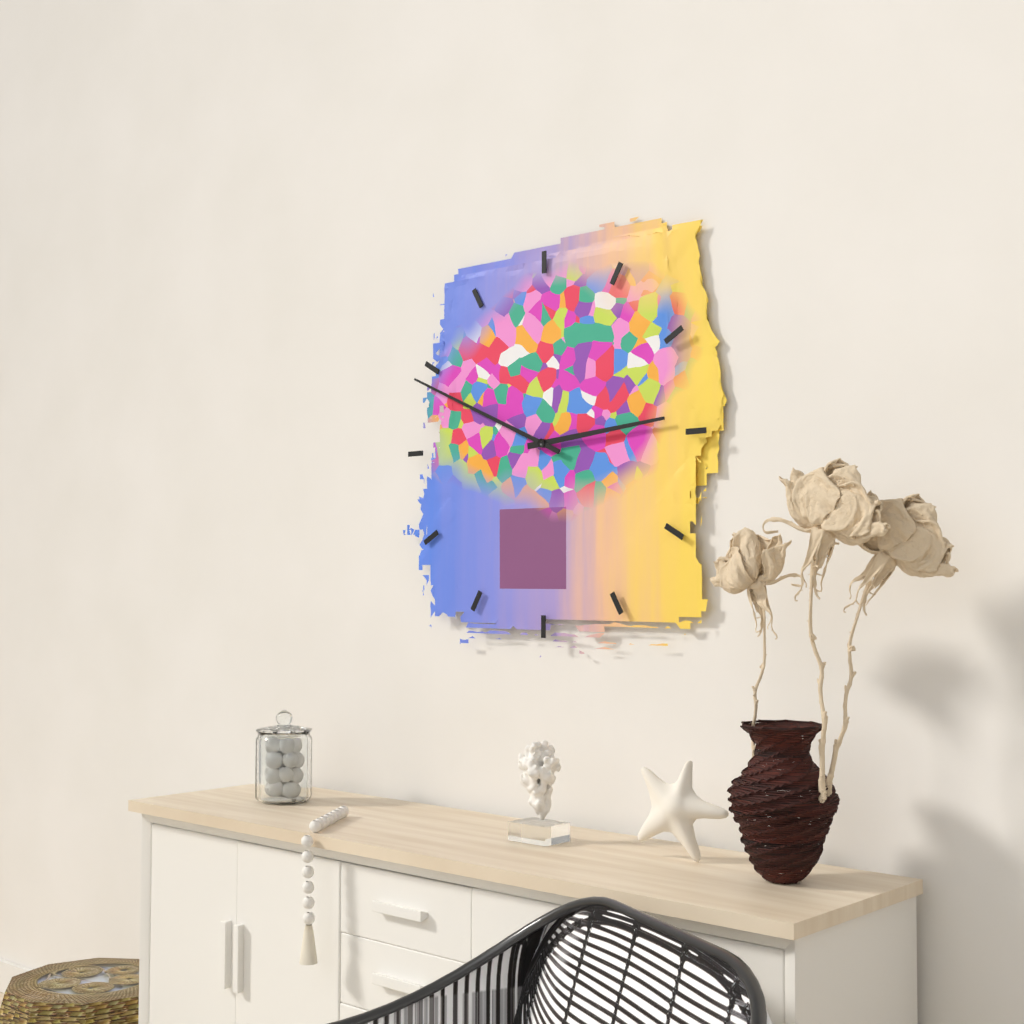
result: **2:49**
